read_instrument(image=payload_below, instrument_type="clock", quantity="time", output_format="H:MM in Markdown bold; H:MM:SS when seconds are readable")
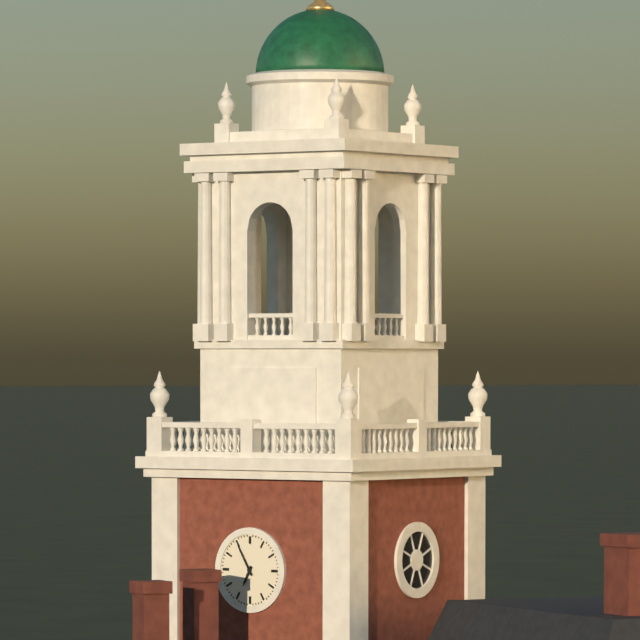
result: **6:55**
